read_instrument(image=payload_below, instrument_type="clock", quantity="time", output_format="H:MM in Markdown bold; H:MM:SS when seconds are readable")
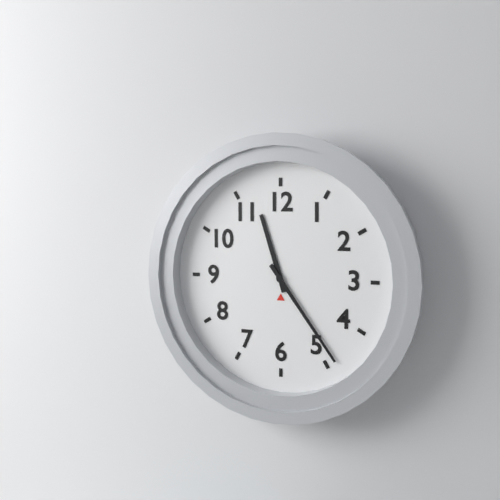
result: **11:24**
